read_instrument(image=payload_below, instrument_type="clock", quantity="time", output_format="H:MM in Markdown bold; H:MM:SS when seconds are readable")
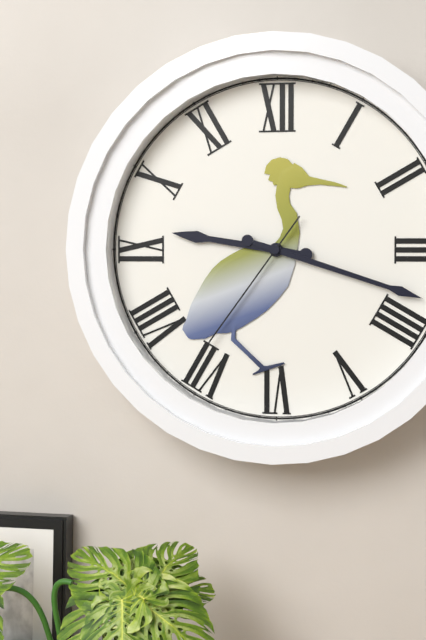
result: **9:18:36**
